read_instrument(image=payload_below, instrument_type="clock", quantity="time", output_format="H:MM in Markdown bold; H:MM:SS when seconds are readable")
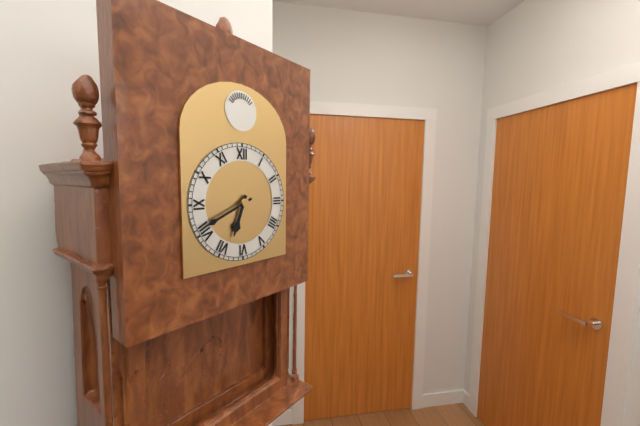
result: **6:41**
